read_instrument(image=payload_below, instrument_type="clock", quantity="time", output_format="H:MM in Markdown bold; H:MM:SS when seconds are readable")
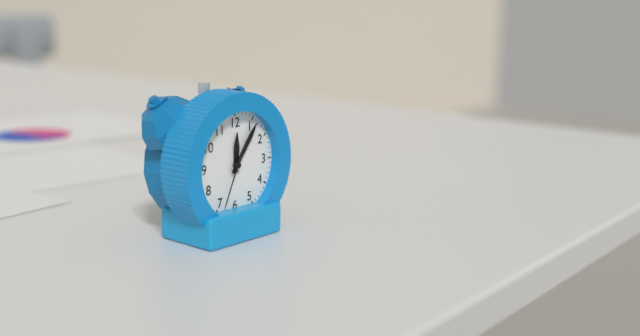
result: **12:06:34**
